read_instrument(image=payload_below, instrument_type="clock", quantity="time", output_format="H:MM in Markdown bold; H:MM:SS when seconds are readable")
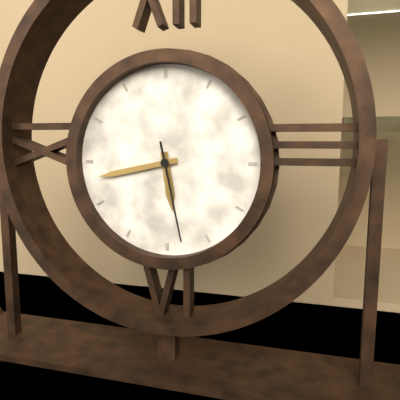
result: **5:43:28**
